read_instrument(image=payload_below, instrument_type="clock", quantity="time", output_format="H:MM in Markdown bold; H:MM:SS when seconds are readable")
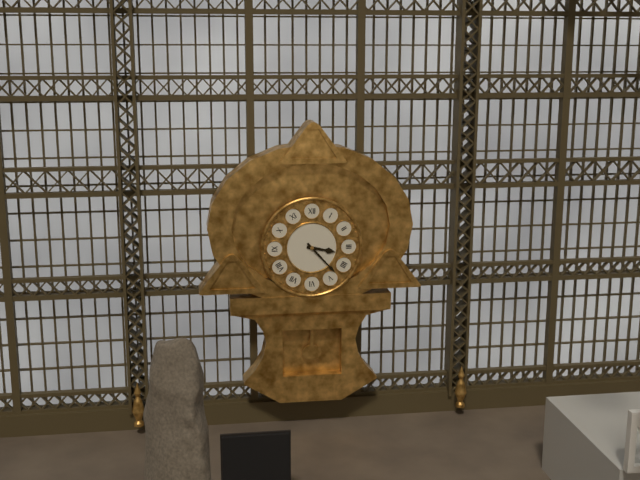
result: **3:23**
